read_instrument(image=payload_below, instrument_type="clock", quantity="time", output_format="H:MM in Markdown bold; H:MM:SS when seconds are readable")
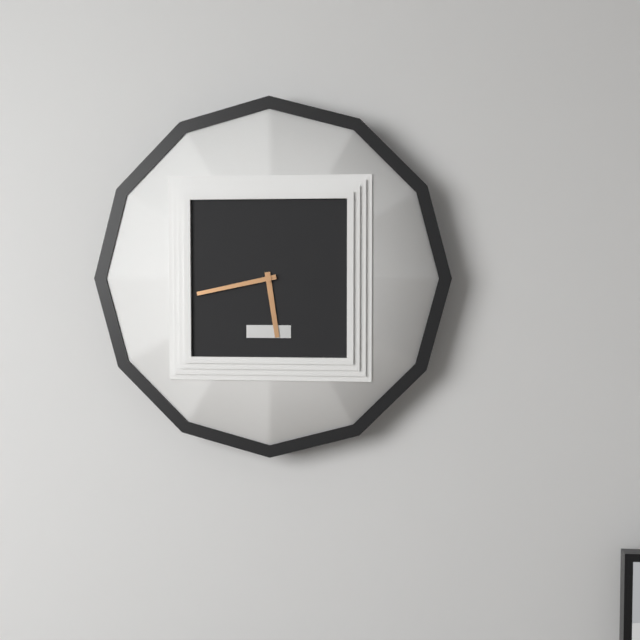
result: **5:43**
